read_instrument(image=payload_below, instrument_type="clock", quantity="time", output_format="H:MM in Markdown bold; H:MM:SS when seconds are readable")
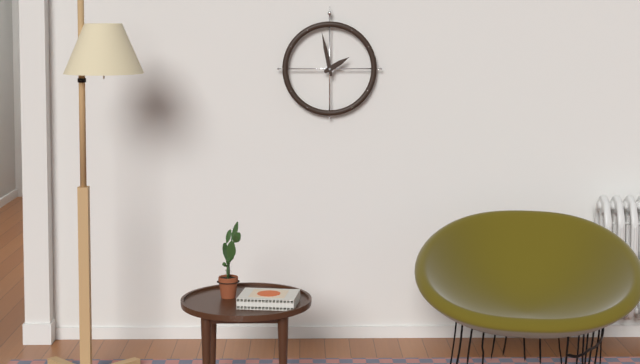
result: **1:58**
